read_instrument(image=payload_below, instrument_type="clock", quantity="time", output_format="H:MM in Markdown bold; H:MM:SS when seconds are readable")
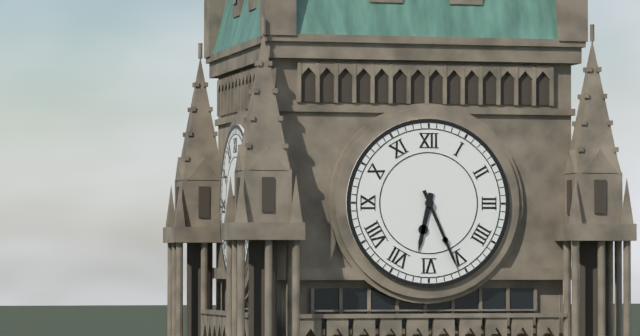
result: **6:26**
